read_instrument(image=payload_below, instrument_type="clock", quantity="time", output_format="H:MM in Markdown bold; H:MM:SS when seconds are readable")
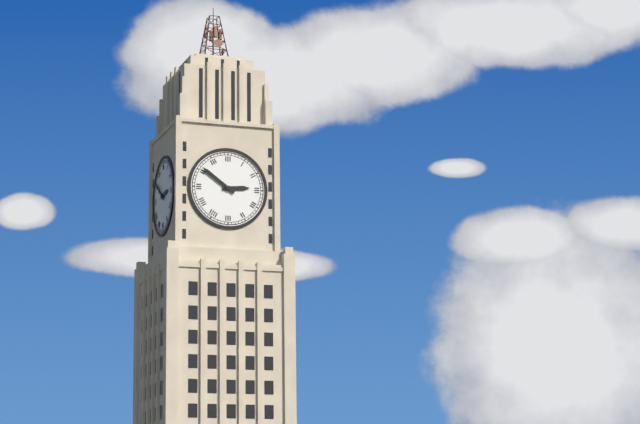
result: **2:51**
